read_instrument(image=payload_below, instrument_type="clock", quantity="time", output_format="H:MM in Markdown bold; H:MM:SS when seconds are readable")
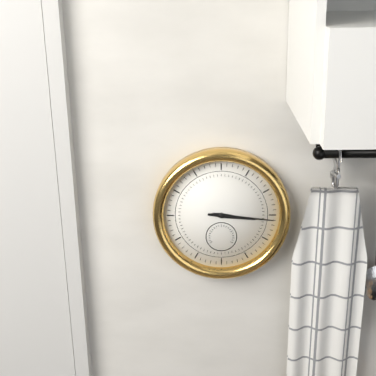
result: **3:16**
